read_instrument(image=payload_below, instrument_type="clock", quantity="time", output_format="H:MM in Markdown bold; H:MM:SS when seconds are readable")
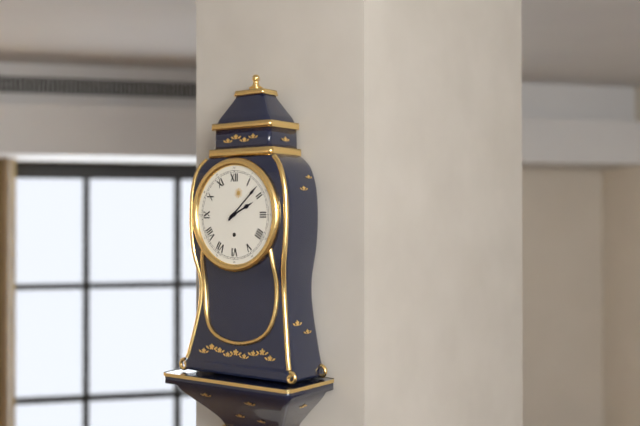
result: **2:08**
